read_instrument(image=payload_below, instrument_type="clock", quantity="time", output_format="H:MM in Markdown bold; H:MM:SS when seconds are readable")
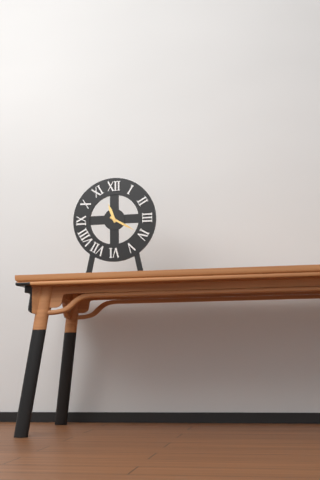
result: **11:20**
